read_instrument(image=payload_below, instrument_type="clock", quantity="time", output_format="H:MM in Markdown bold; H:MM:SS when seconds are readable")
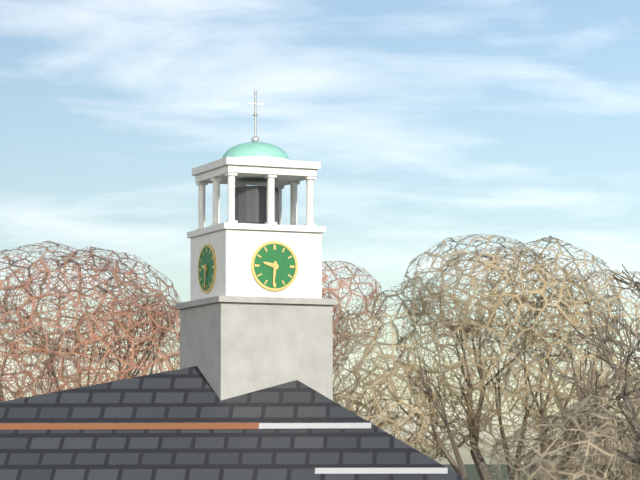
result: **9:31**
